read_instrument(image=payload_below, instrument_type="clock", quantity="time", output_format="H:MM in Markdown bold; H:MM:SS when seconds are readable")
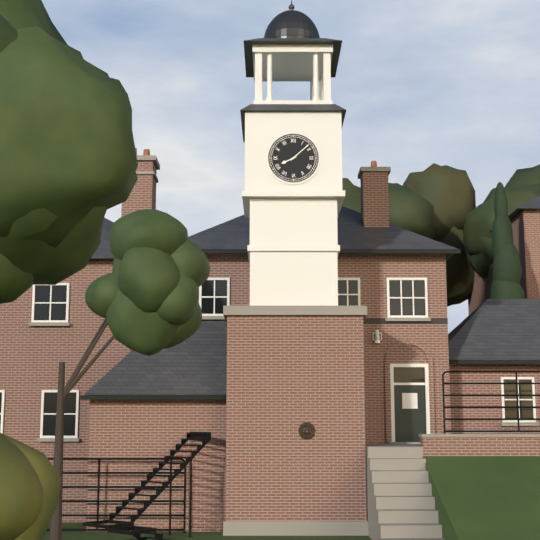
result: **8:08**
